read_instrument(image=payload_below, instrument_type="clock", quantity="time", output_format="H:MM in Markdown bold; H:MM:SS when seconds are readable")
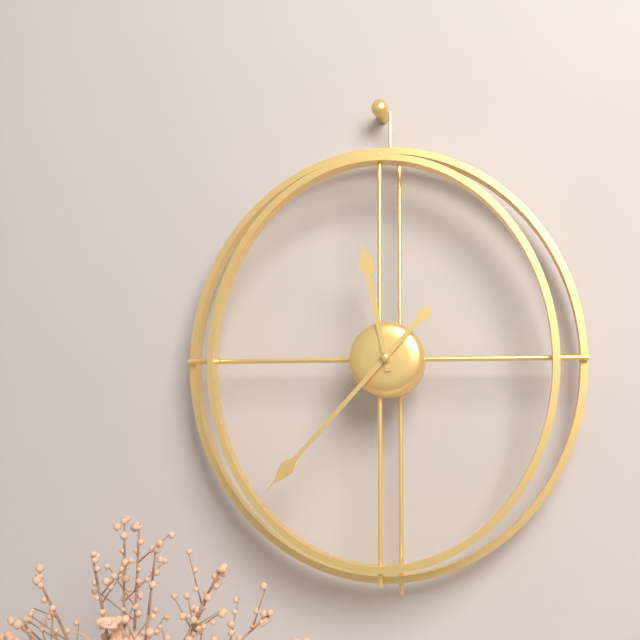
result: **11:37**
